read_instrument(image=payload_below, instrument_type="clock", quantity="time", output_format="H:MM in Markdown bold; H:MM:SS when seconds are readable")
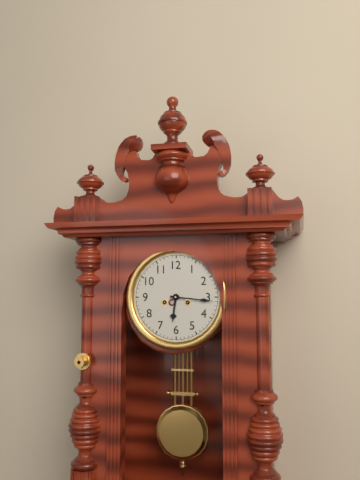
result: **6:16**
